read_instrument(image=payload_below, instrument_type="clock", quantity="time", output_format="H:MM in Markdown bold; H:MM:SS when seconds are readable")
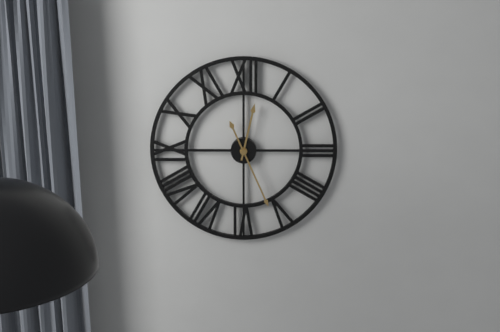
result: **12:26**
